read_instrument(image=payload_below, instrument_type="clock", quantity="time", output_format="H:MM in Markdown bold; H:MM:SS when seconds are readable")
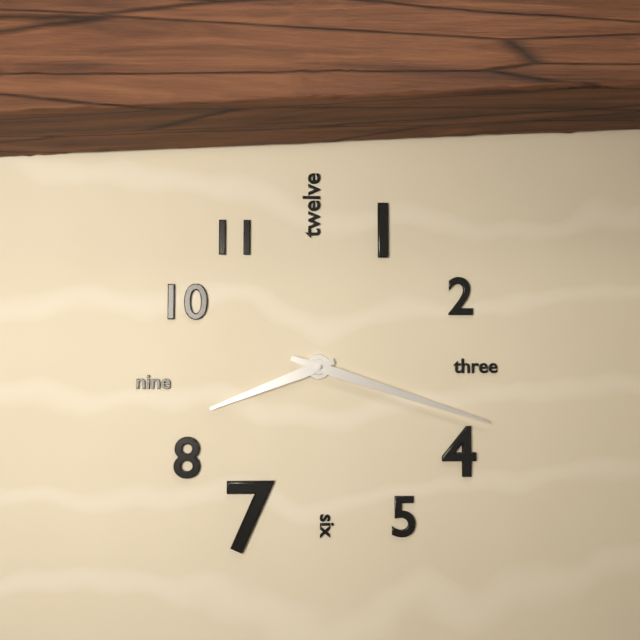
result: **8:18**
